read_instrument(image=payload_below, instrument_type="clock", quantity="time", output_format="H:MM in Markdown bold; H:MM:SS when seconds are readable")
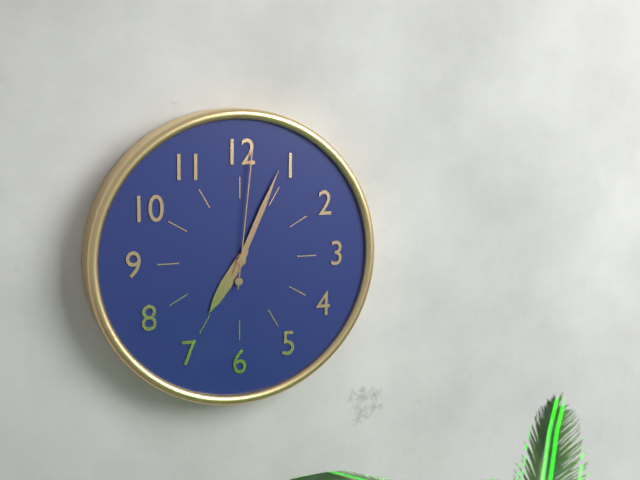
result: **7:04:01**
